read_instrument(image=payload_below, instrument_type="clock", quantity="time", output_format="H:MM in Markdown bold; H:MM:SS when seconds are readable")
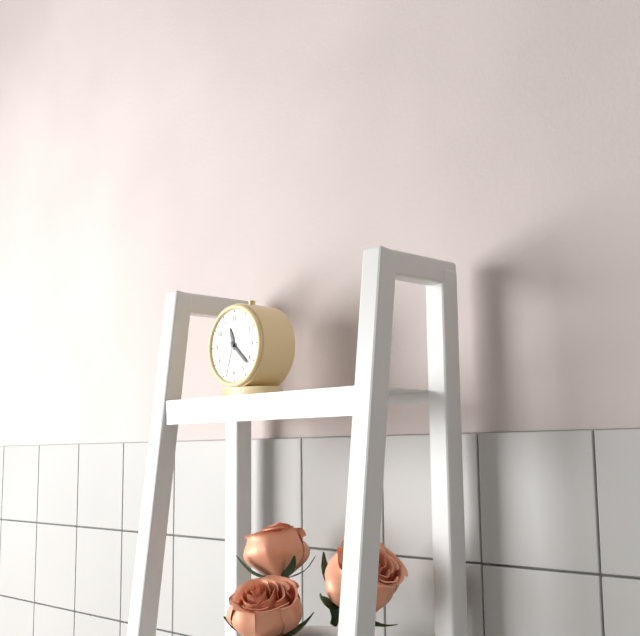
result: **11:22**
